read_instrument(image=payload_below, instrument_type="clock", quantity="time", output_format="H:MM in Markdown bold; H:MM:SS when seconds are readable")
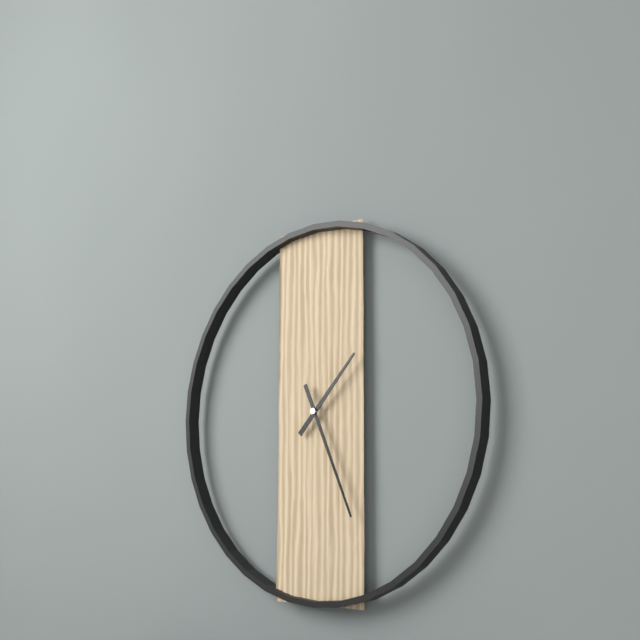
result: **1:26**
